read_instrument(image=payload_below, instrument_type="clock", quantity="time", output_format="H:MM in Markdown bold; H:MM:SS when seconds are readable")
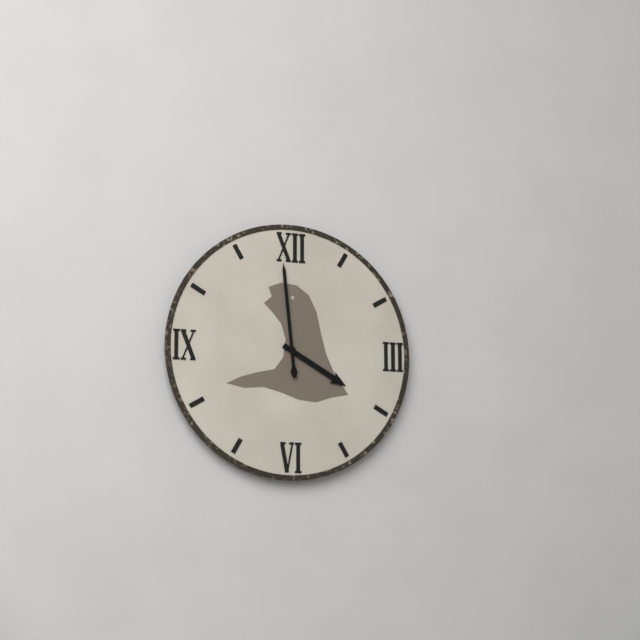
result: **3:59**
